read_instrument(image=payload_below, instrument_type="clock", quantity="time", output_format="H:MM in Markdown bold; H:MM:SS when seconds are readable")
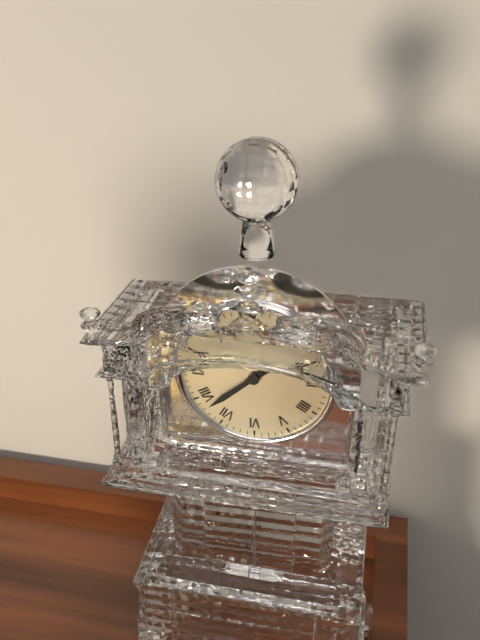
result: **1:38**
